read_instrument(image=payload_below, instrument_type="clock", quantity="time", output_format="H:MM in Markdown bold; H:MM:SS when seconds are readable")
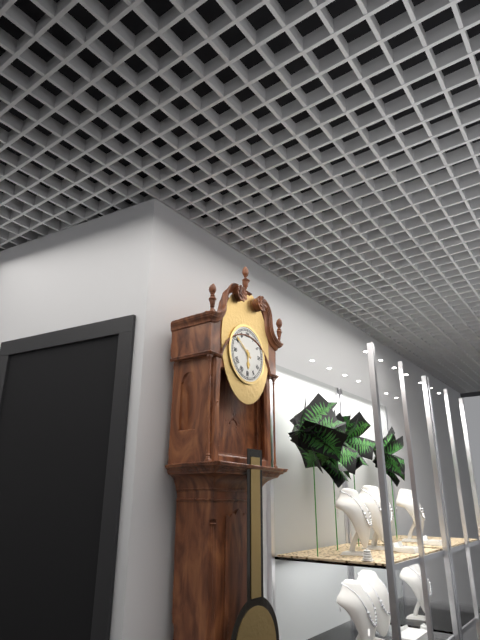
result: **5:51**
